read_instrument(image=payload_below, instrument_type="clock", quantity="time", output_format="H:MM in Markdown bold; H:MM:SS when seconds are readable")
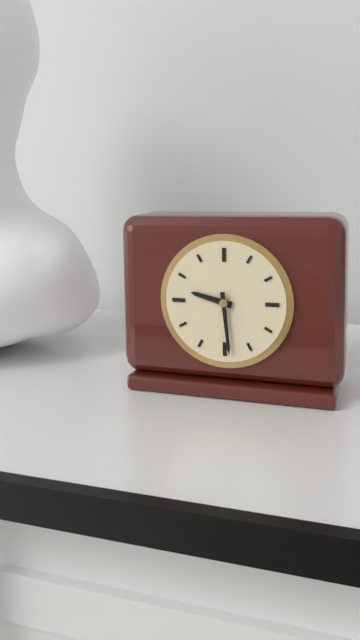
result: **9:29**
